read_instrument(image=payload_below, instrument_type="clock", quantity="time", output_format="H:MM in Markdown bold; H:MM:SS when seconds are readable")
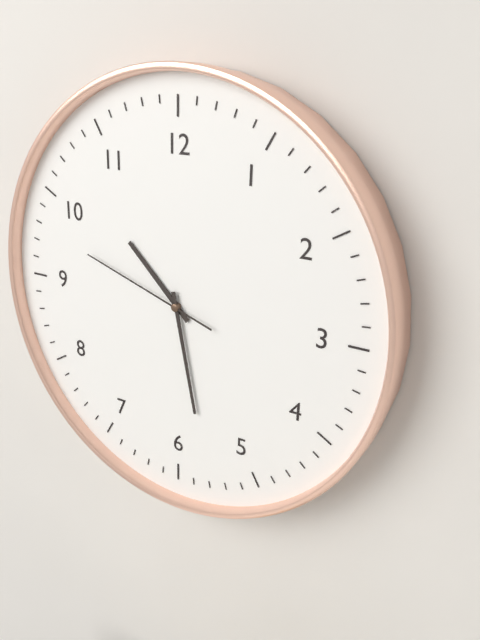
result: **10:28:48**
